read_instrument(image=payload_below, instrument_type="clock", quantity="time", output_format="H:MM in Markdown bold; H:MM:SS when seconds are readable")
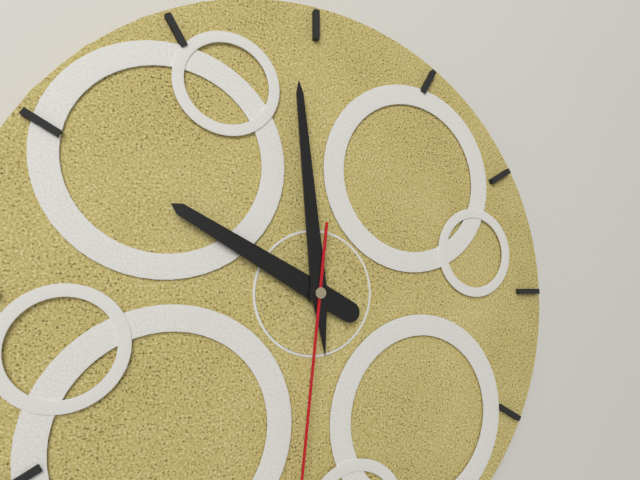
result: **9:59**
